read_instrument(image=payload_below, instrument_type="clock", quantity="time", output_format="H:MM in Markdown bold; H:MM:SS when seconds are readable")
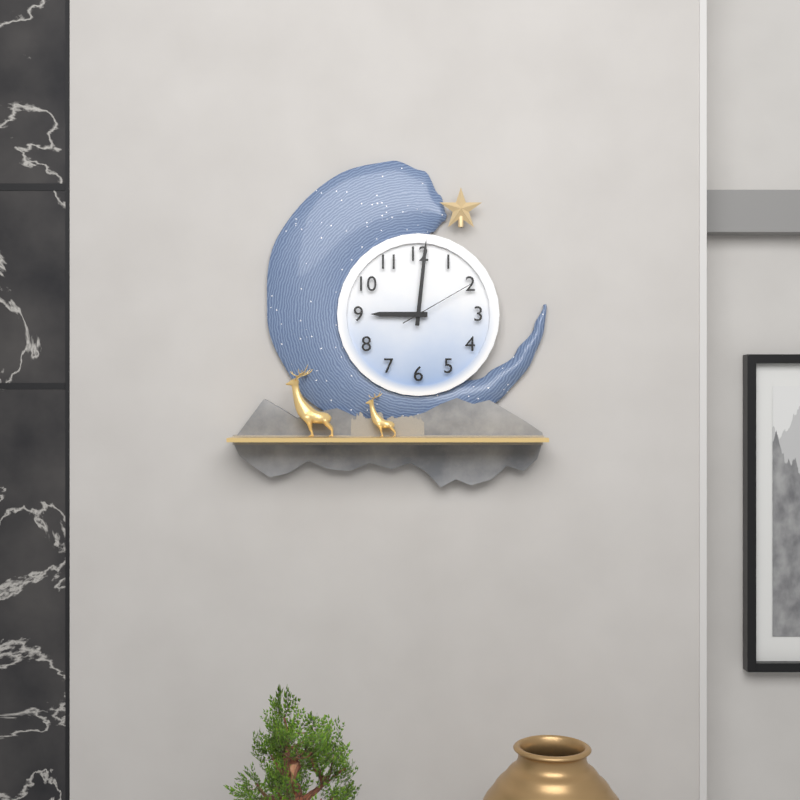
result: **9:01:10**
